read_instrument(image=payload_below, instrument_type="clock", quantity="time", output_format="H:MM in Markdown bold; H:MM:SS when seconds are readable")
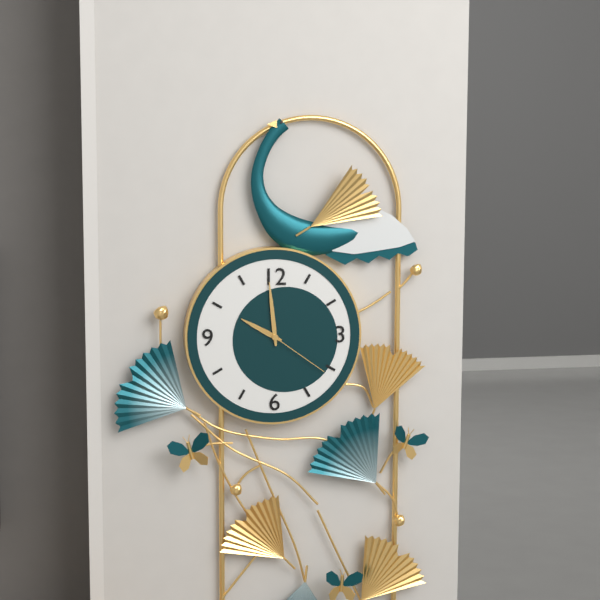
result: **9:59:21**
